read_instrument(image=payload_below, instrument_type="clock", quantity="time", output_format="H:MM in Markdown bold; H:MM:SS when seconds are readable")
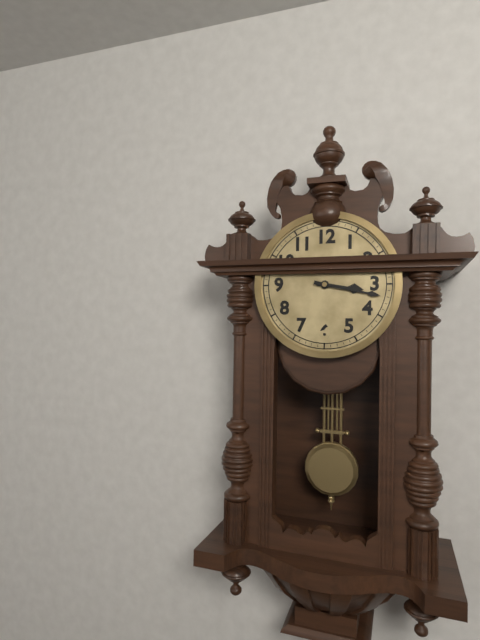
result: **3:17**
